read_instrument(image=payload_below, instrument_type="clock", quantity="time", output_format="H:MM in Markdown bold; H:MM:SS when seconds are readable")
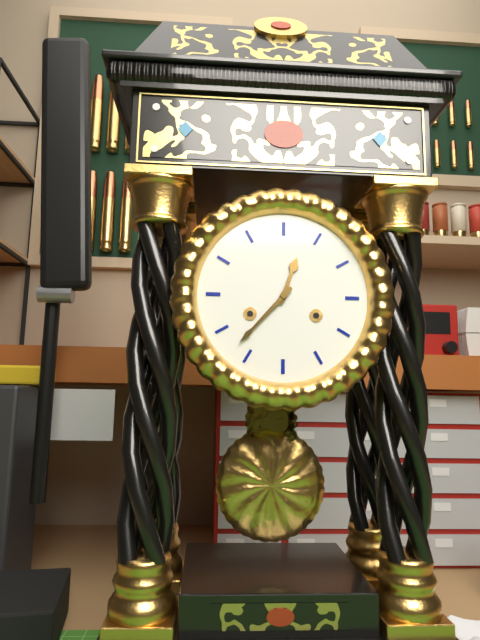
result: **12:37**
